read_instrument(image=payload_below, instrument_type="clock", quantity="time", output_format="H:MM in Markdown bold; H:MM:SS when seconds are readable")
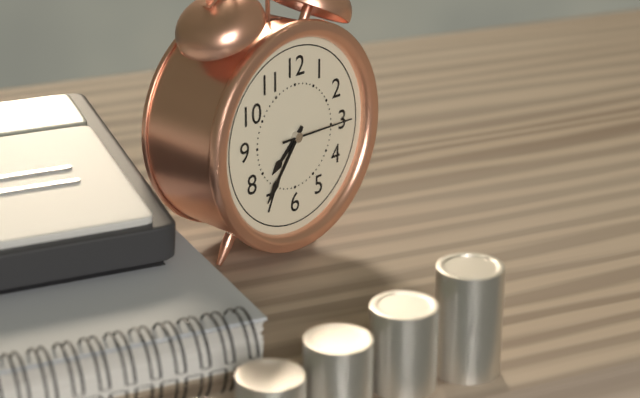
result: **7:36:15**
